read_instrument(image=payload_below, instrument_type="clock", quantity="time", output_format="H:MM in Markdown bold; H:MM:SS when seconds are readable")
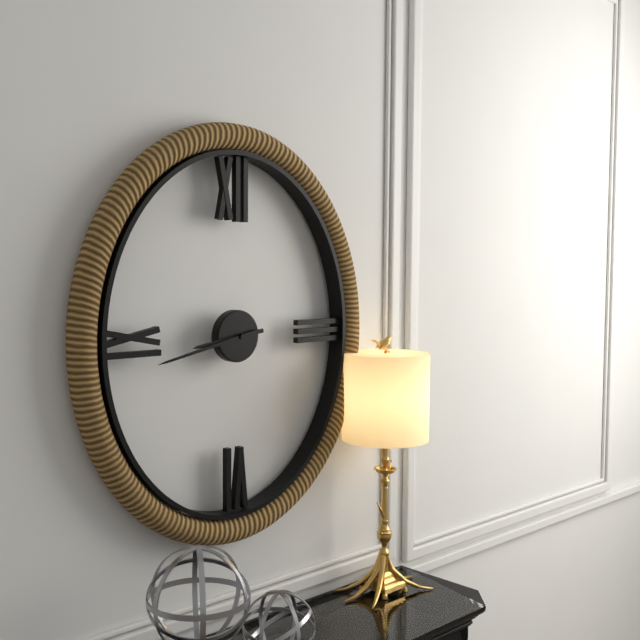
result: **8:43**
